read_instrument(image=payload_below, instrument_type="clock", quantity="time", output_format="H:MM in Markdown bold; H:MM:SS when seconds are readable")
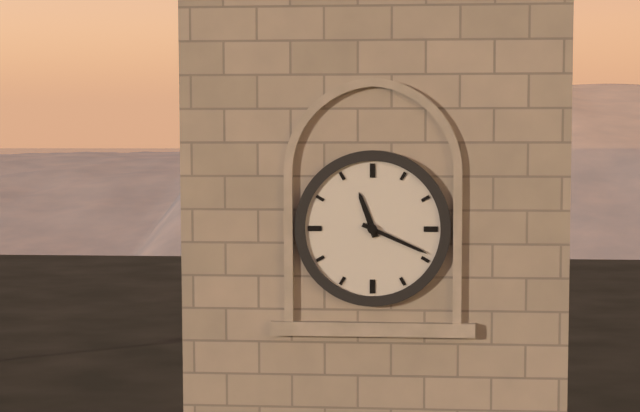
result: **11:19**
